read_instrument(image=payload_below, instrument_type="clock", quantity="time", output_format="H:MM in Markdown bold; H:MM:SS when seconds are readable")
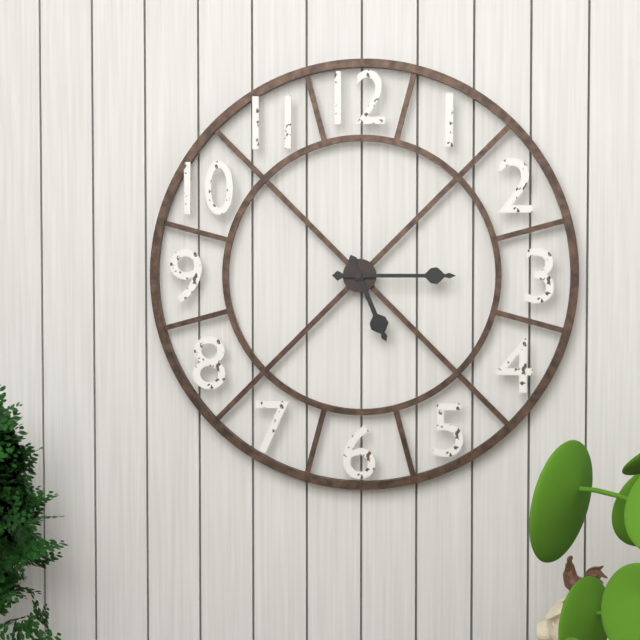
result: **5:15**
